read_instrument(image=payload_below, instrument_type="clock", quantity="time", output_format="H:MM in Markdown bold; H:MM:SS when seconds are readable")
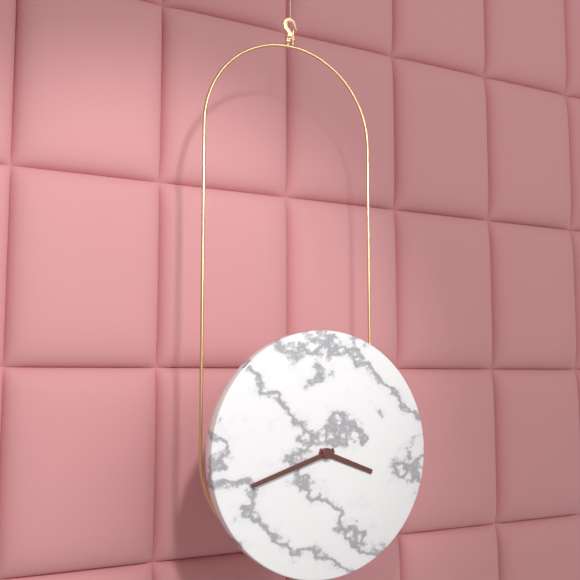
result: **3:42**
